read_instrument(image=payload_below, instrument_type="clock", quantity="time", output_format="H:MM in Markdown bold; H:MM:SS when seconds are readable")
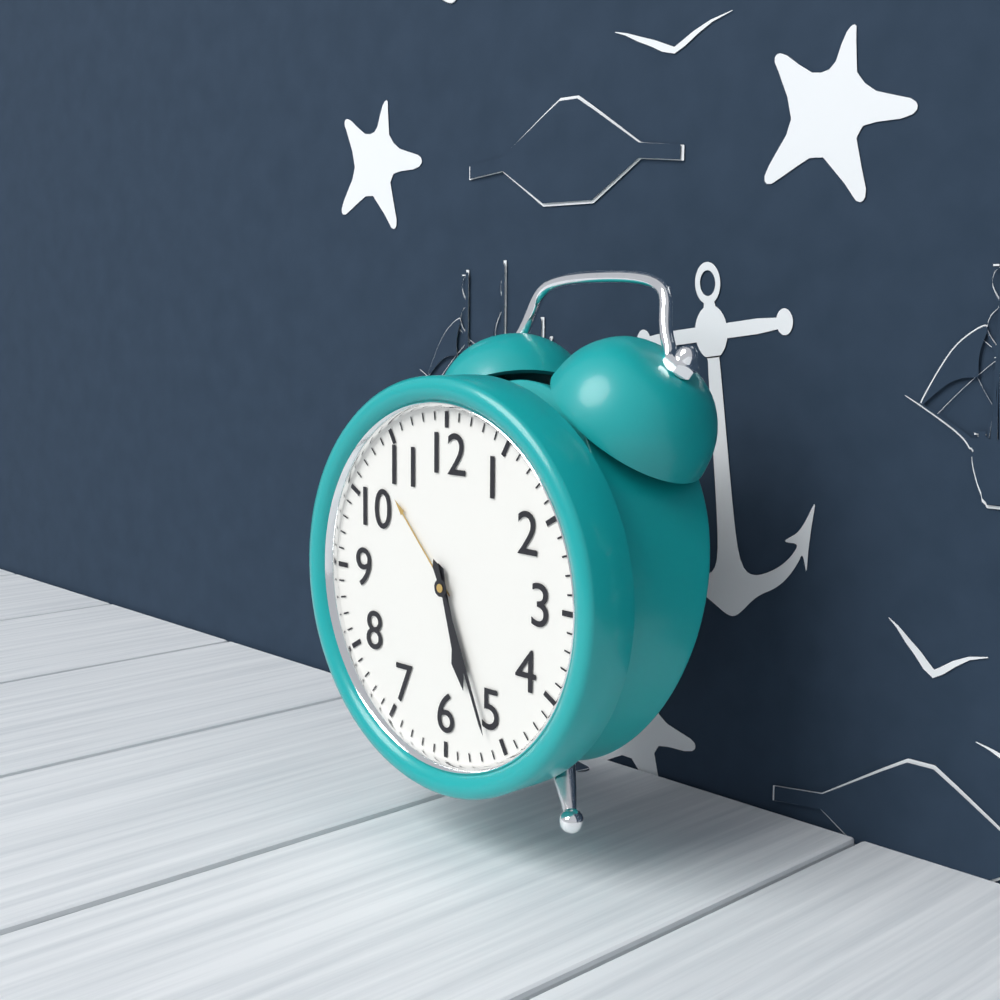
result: **5:26**
